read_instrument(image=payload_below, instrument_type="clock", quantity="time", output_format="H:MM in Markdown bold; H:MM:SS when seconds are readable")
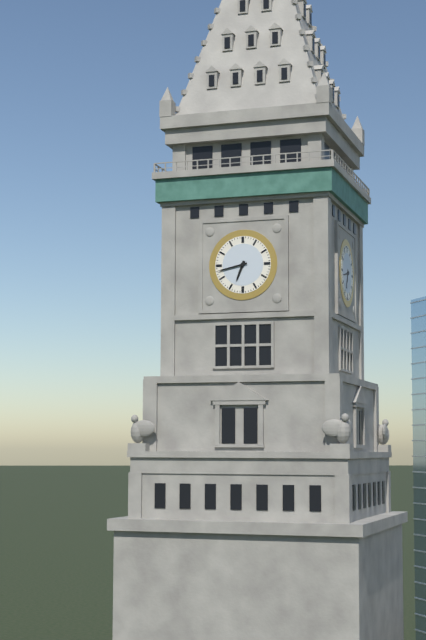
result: **6:43**
